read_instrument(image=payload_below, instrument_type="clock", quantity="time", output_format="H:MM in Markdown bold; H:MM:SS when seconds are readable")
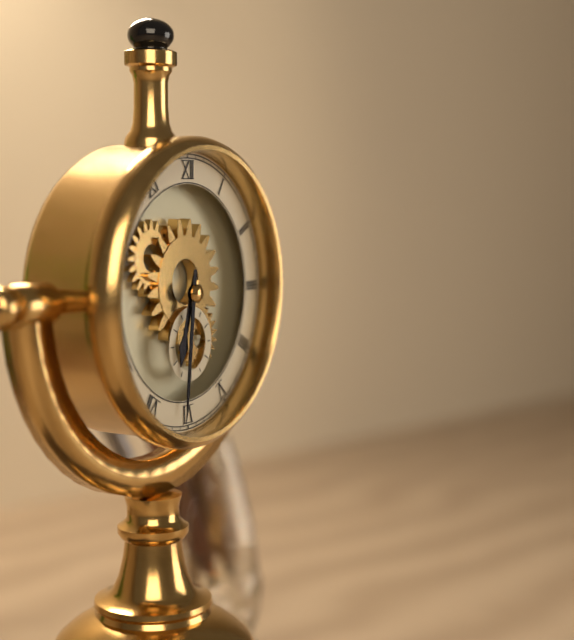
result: **6:31**
